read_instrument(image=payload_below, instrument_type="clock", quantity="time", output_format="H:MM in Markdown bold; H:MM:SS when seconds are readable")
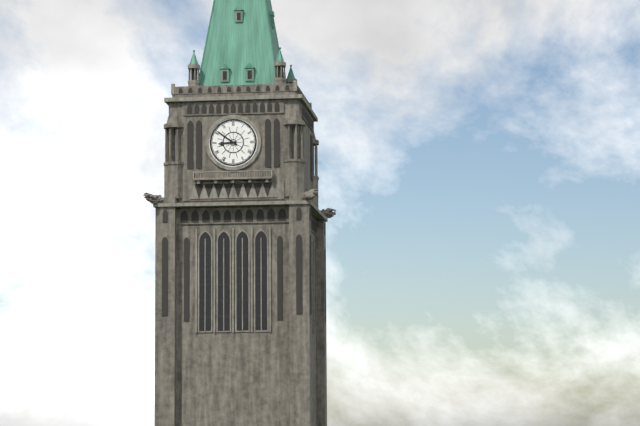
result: **8:51**
